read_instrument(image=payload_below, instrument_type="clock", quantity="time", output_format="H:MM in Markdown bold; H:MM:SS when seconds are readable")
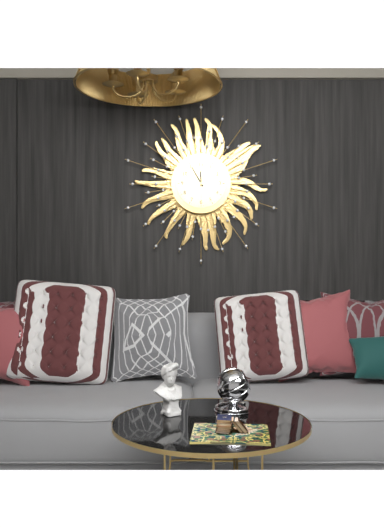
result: **11:55**
